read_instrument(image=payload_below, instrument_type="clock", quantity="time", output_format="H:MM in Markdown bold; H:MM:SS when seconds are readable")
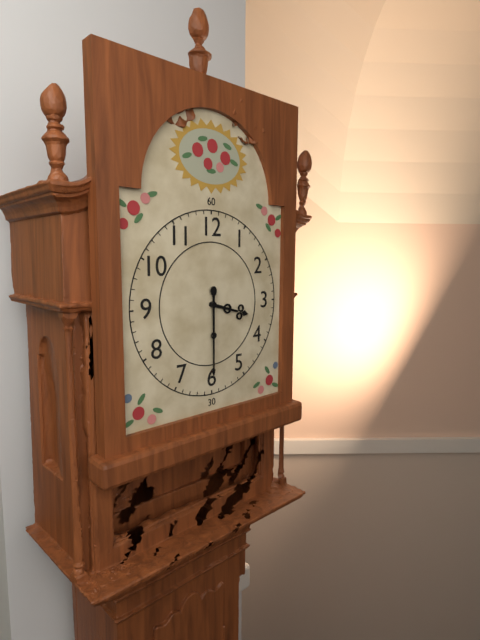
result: **3:30**
